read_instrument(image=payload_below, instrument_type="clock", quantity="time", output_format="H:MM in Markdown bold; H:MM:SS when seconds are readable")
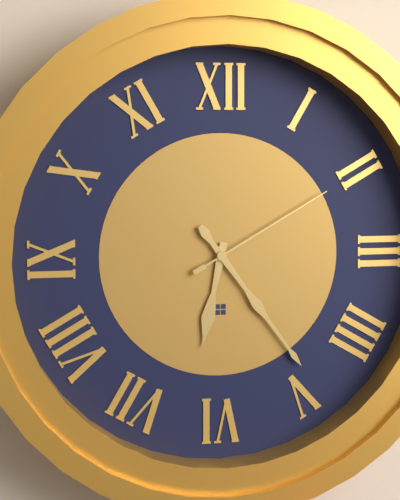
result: **6:24:10**
